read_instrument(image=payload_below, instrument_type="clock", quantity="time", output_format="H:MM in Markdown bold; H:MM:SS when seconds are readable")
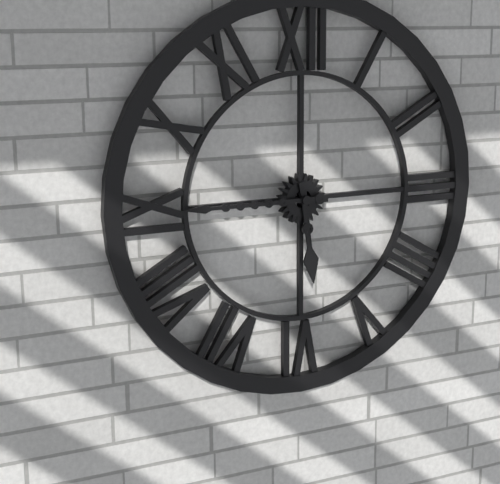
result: **5:45**
